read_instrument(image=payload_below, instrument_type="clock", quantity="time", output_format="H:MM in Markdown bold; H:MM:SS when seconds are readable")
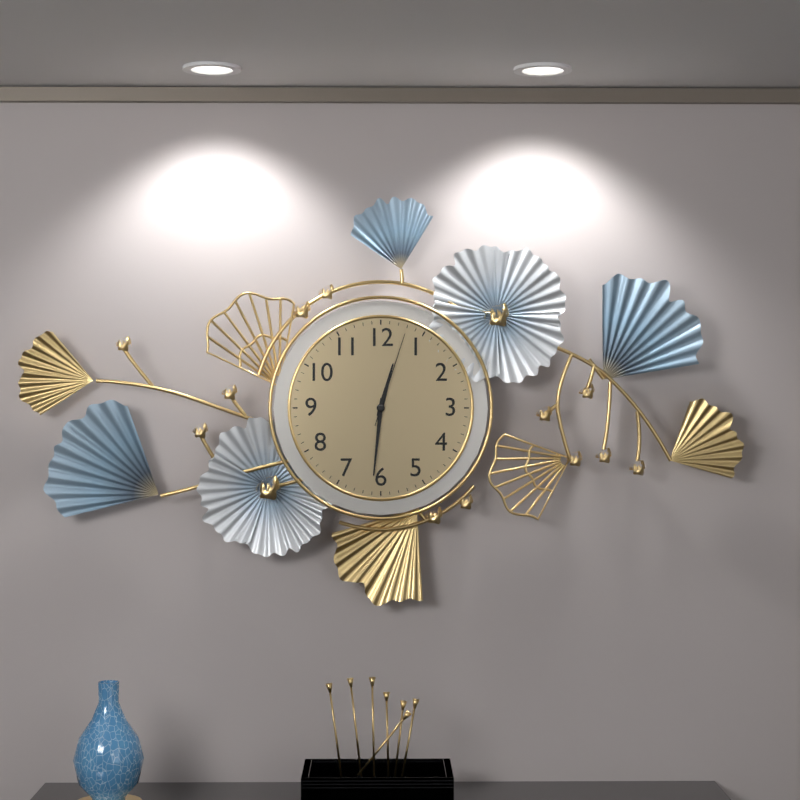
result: **12:31:03**
